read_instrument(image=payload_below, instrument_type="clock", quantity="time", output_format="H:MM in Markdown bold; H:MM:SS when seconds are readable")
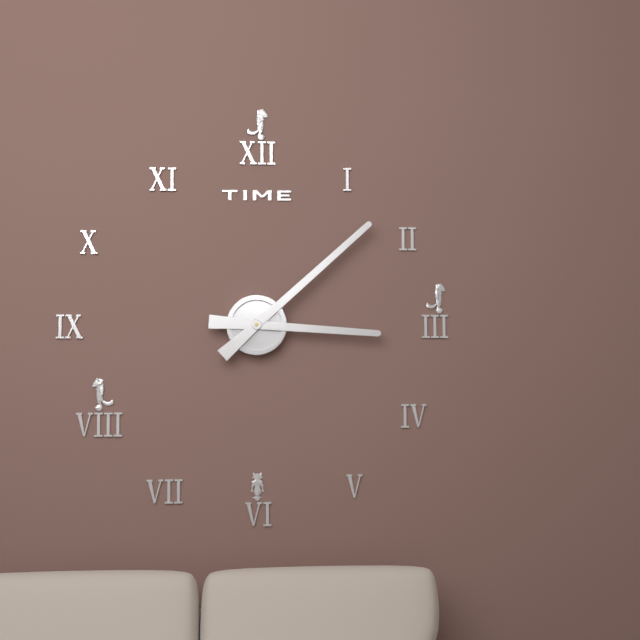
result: **3:08**
